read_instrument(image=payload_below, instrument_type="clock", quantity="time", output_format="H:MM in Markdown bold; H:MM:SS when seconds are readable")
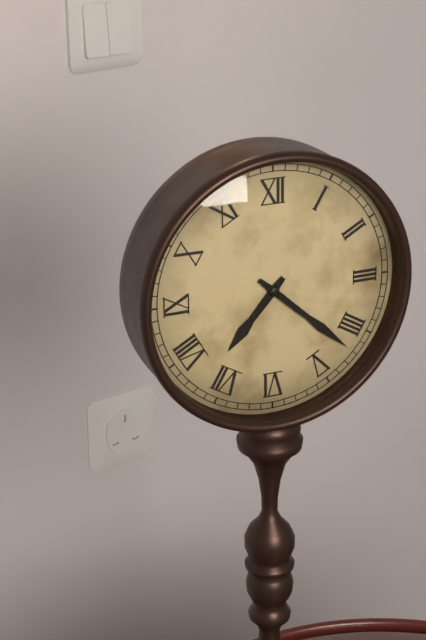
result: **7:22**
